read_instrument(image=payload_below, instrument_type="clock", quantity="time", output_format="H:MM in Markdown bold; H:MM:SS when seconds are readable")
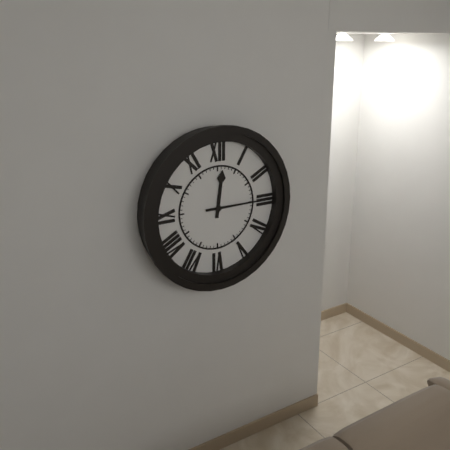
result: **12:15**
